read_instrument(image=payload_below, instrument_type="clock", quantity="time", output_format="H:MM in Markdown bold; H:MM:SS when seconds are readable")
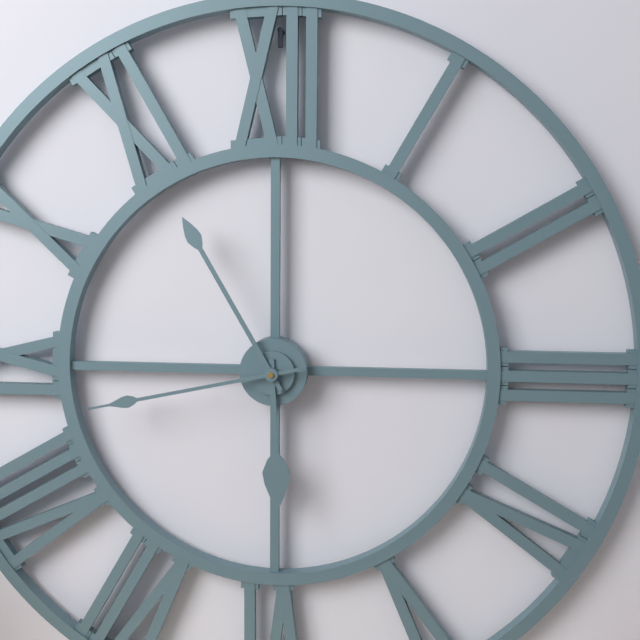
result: **5:55:43**
